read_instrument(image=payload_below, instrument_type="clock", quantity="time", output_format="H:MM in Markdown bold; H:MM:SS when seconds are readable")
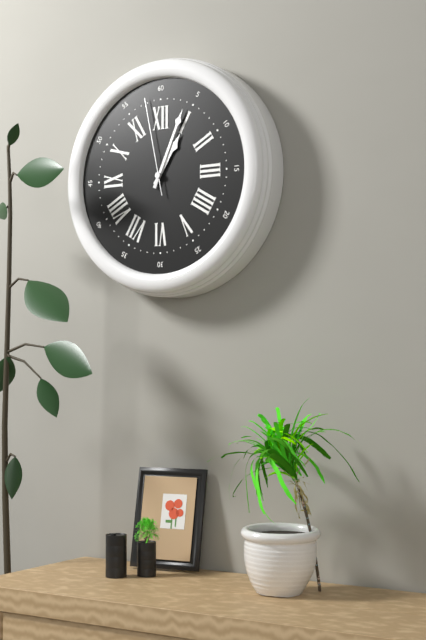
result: **1:04:58**
